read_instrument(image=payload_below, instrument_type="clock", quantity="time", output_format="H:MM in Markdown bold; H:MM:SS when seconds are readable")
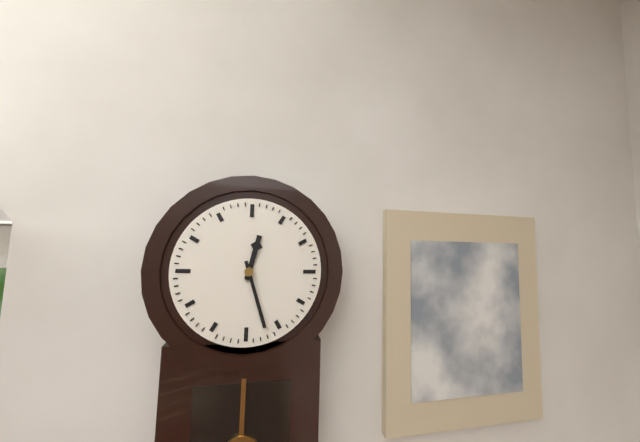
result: **12:27**
